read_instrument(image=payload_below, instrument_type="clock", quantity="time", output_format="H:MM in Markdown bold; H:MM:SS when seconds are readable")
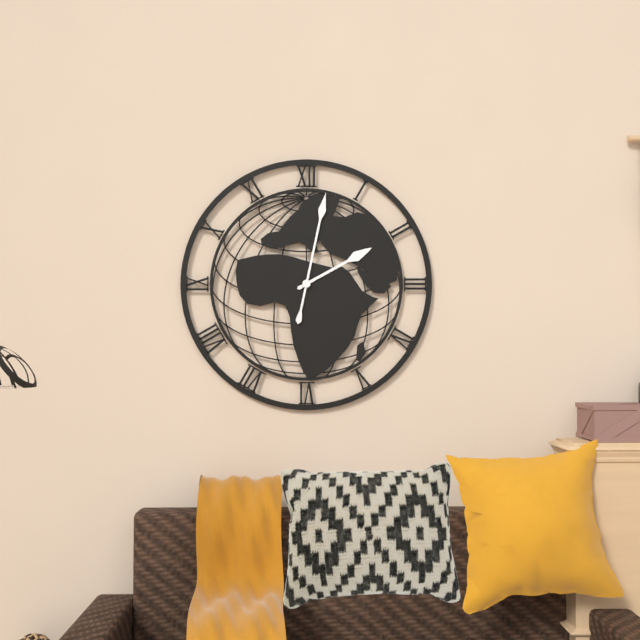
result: **2:02**
